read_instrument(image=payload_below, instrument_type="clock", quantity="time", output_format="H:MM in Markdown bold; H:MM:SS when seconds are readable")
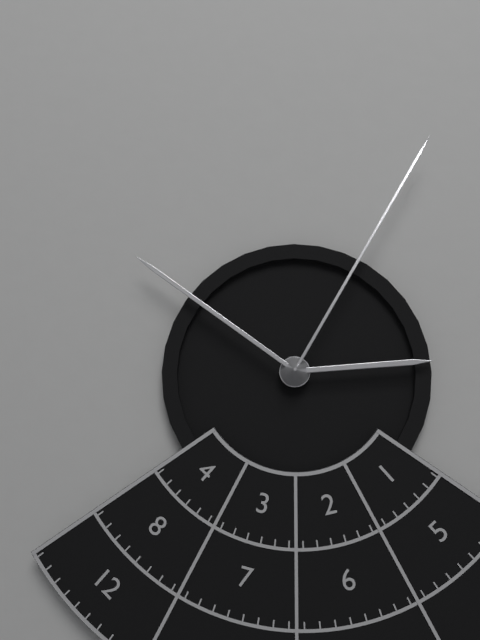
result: **2:51:05**
